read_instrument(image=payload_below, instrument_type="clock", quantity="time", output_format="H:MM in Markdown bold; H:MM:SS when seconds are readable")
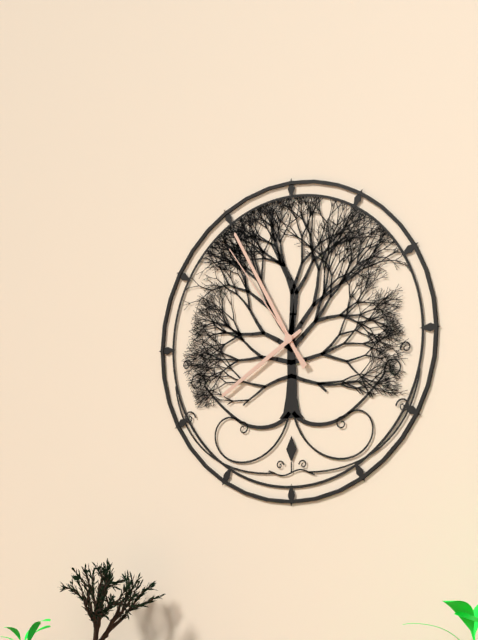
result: **7:55:54**
